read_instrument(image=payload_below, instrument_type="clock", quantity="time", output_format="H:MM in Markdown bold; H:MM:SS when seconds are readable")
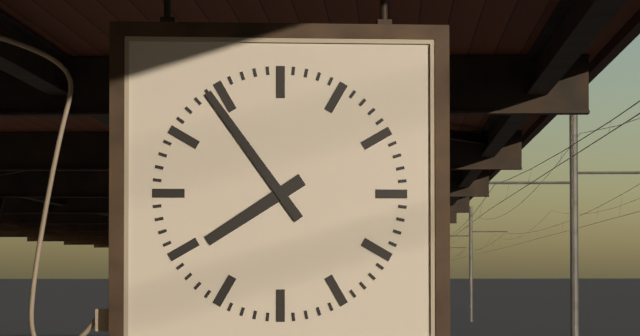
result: **7:54**
